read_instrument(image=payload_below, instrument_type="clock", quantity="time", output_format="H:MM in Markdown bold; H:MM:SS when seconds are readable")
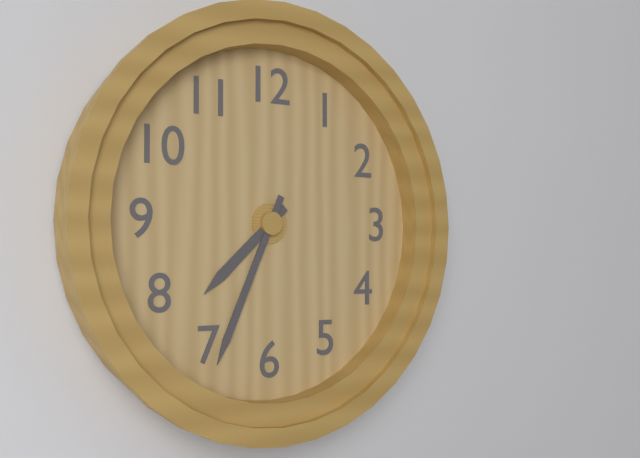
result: **7:34**
